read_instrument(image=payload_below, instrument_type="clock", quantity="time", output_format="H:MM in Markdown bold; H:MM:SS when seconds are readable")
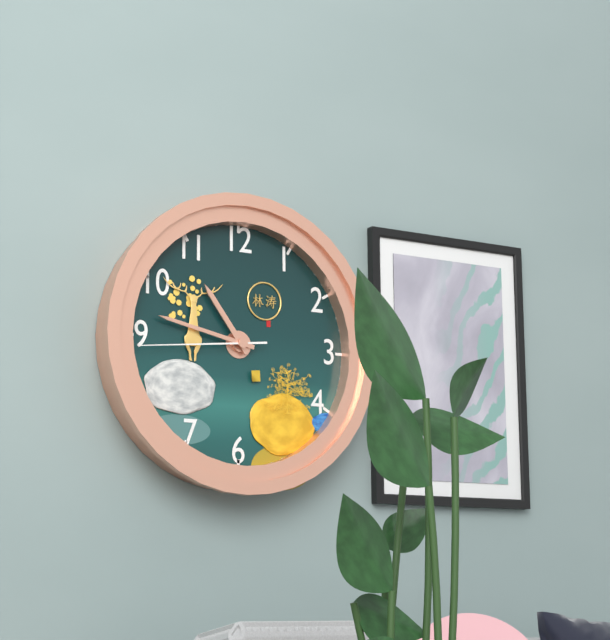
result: **10:47:44**
